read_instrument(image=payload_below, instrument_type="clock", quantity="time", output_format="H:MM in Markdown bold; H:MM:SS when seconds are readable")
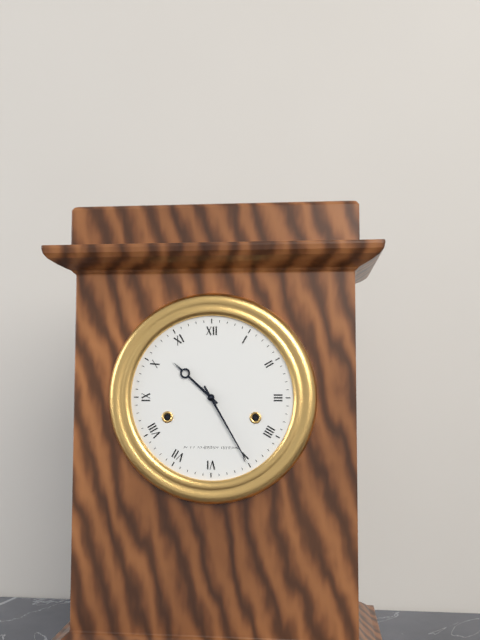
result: **10:25**
